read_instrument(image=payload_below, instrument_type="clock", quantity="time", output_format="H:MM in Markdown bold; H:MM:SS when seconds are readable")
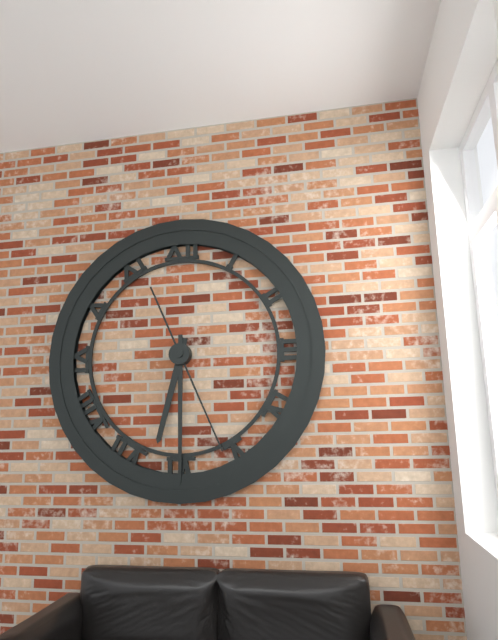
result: **6:30:26**
